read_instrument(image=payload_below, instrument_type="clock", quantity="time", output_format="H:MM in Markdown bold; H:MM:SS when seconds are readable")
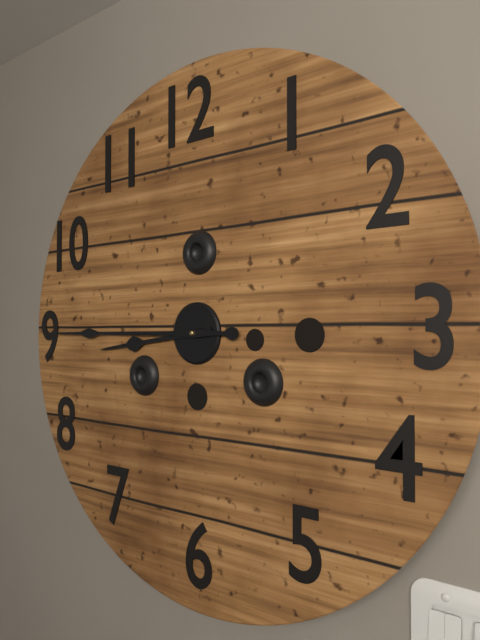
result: **8:45**
